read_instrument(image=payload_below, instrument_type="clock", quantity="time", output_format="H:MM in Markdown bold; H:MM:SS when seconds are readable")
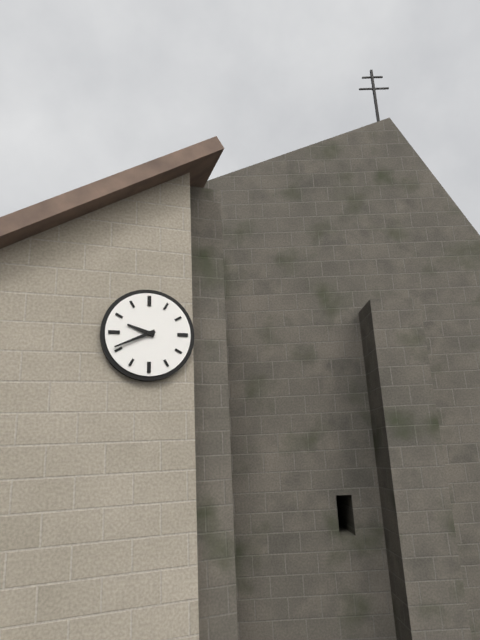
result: **9:41**
